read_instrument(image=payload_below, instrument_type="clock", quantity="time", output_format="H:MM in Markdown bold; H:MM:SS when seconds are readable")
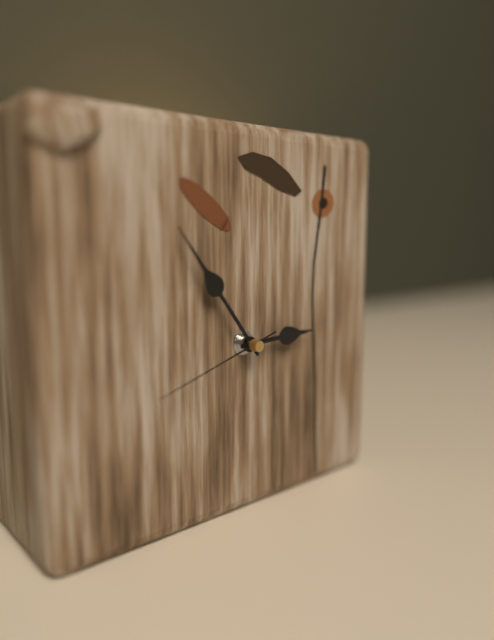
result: **2:54:42**
